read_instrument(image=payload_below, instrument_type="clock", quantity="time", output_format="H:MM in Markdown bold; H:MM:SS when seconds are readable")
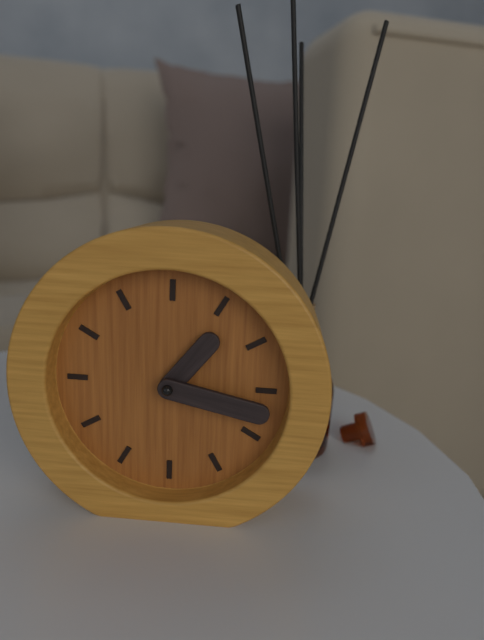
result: **1:17**
